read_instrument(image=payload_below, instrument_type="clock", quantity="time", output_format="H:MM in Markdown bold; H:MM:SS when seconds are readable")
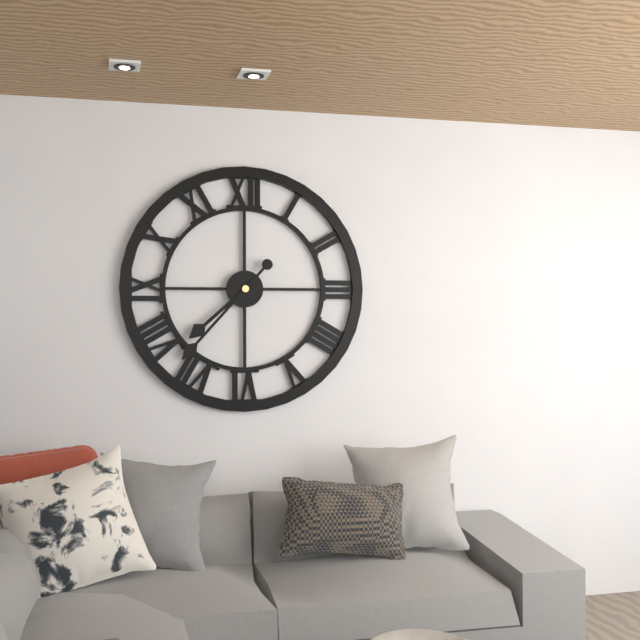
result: **7:37**
